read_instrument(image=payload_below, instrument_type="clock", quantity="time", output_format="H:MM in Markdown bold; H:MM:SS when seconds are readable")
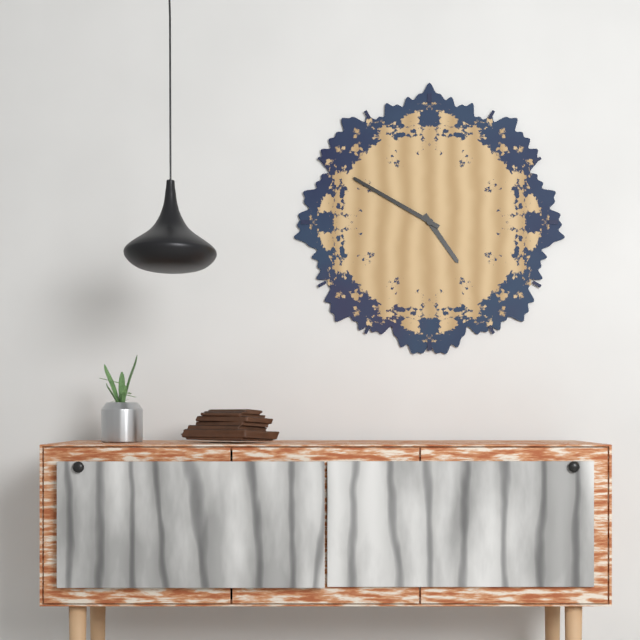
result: **4:50**
